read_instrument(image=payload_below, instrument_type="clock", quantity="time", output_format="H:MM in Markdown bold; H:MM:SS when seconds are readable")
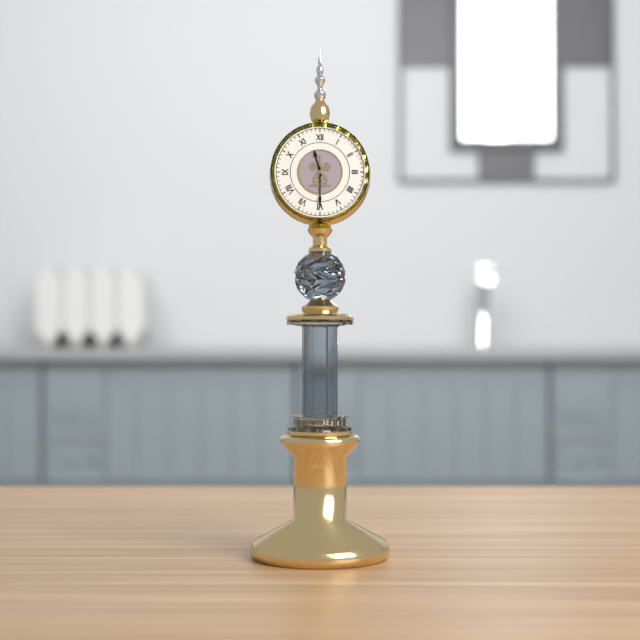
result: **11:30**
